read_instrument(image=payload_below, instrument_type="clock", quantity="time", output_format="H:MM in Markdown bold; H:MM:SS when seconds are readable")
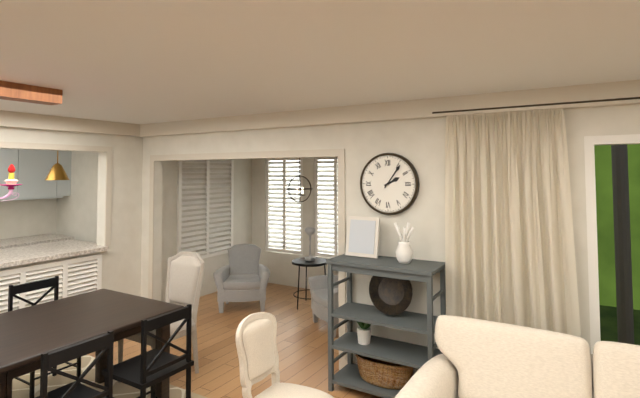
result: **2:06**
